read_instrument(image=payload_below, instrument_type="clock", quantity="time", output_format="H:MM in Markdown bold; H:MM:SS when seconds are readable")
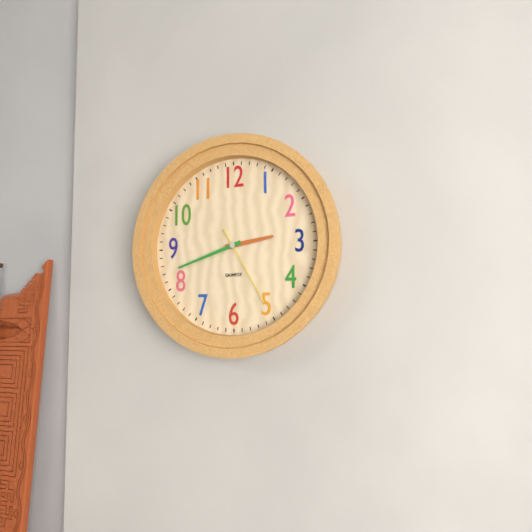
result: **2:42:25**
